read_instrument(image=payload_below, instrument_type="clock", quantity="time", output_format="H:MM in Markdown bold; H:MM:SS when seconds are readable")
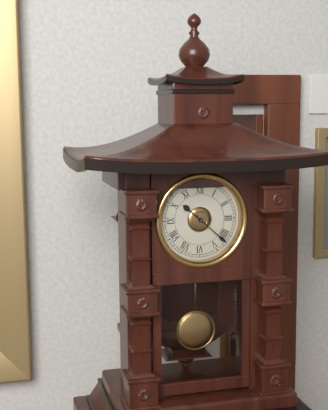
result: **10:22**
